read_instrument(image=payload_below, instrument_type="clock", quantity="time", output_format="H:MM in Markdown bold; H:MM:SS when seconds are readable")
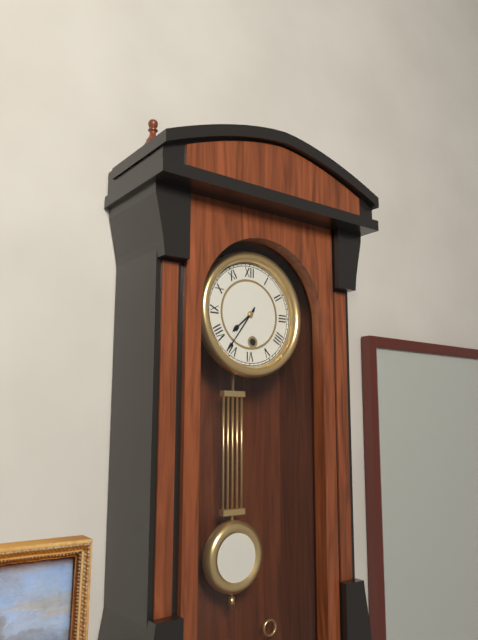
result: **7:36**
